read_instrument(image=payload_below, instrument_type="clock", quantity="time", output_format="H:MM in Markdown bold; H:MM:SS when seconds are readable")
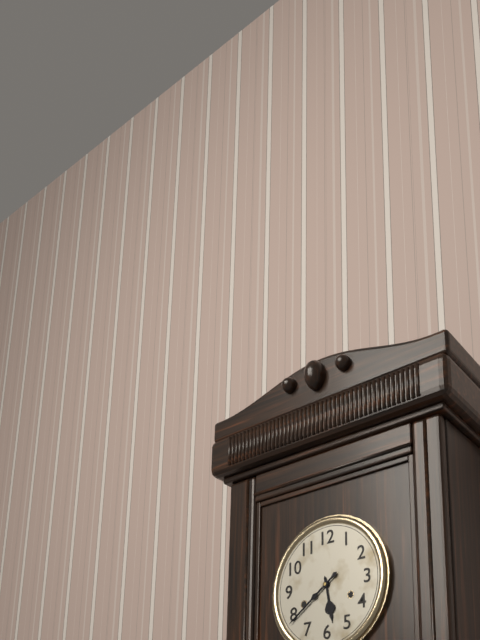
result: **5:39**
